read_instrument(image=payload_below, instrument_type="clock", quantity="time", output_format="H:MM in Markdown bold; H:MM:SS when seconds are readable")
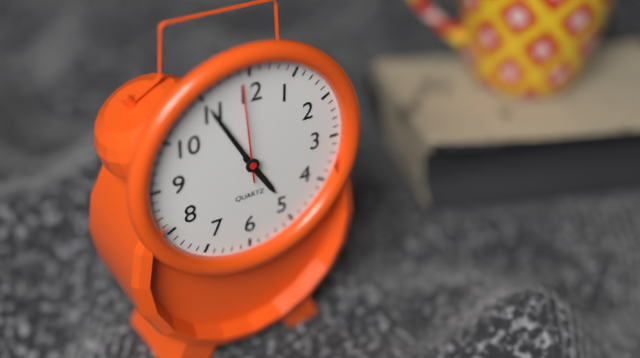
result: **4:55:59**
